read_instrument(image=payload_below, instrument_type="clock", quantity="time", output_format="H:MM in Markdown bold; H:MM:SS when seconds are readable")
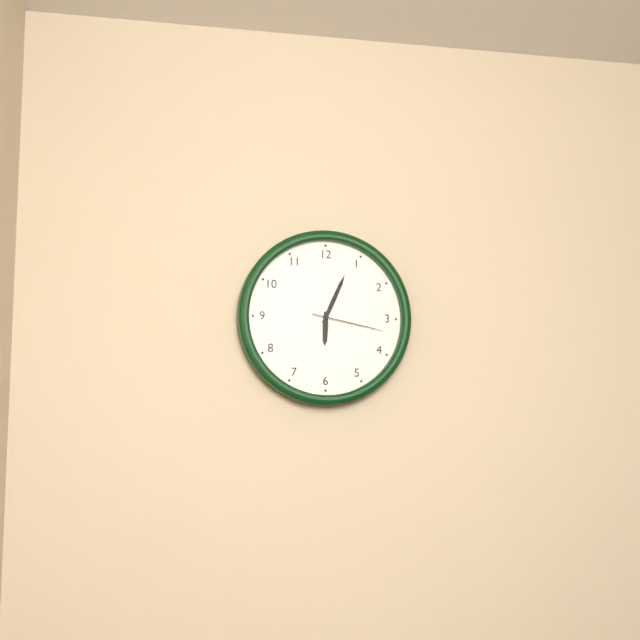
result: **6:04:17**
